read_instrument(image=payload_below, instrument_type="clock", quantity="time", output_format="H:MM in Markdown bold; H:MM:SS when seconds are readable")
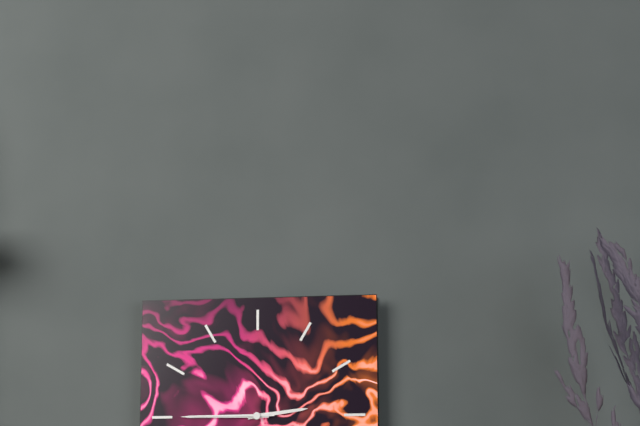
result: **2:45:45**
